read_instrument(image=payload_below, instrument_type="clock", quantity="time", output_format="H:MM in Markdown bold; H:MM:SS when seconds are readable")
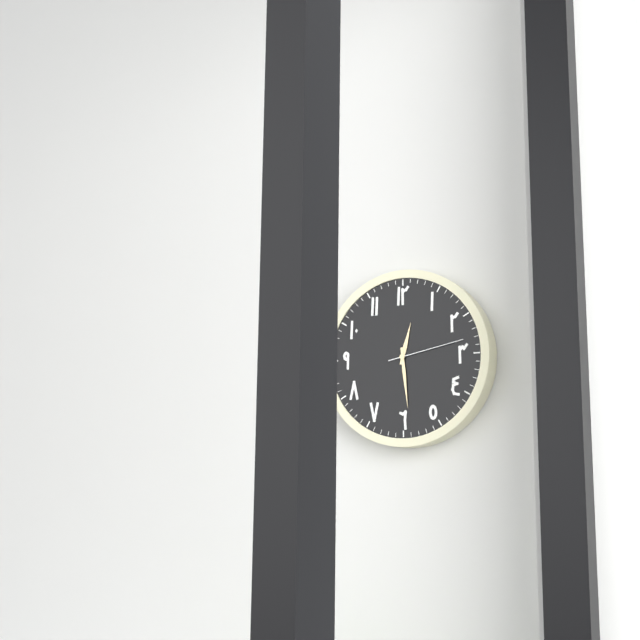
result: **12:29:13**
